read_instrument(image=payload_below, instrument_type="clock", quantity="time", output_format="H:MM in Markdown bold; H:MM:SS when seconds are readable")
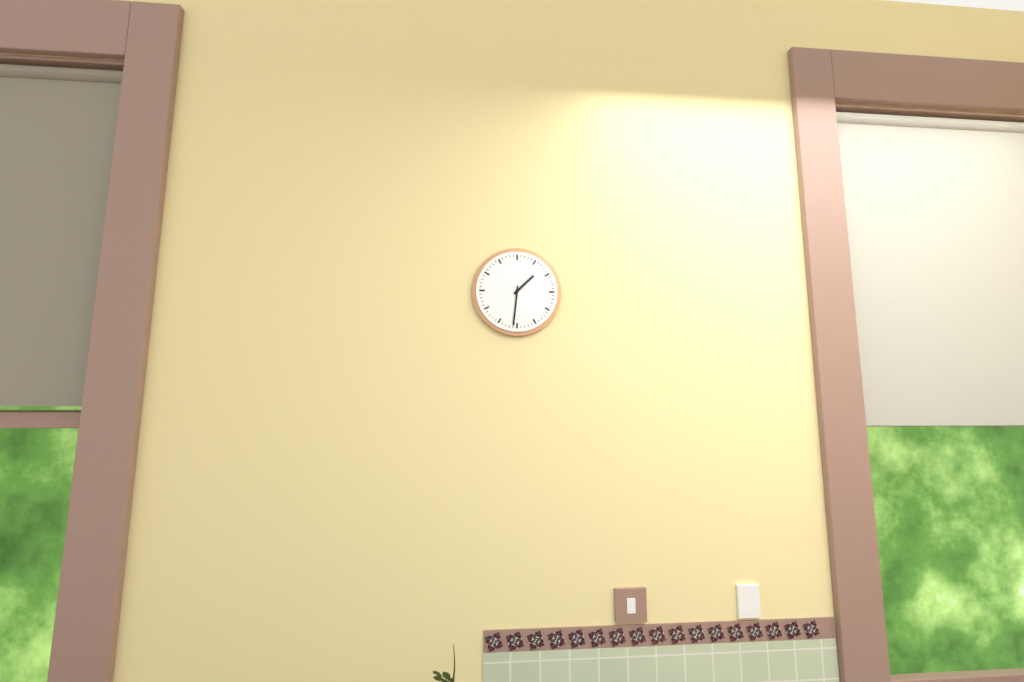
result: **1:31**
